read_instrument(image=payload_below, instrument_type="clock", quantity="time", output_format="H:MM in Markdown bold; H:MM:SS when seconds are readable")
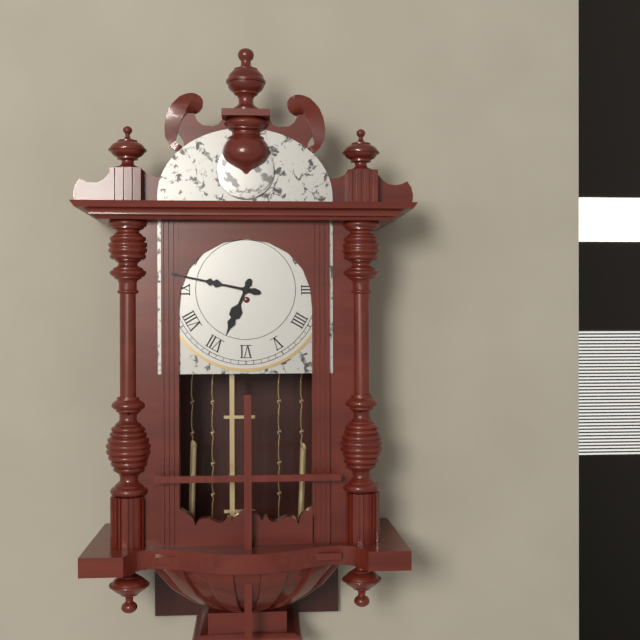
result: **6:47**
